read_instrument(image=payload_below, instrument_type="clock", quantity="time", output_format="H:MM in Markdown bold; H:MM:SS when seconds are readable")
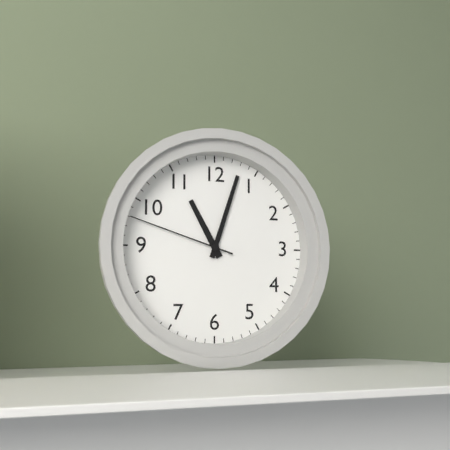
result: **11:03:48**
